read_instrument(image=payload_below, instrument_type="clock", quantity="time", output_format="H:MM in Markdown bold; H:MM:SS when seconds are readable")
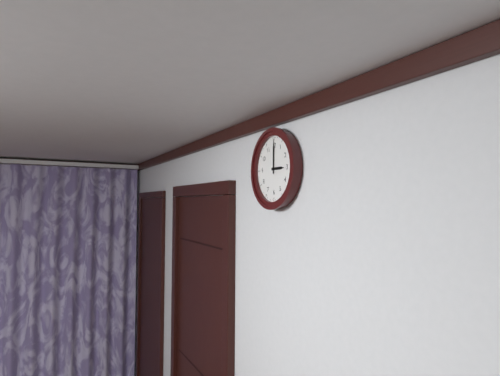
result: **3:00**
